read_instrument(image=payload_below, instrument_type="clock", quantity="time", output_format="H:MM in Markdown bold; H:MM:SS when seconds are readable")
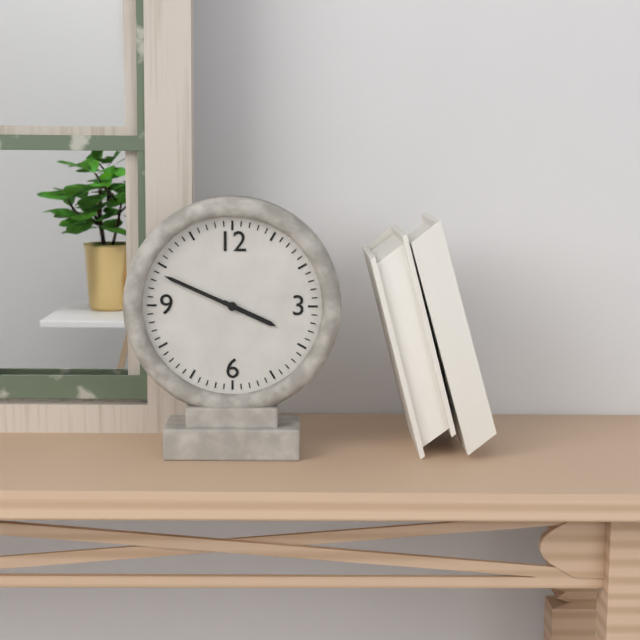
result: **3:49**
